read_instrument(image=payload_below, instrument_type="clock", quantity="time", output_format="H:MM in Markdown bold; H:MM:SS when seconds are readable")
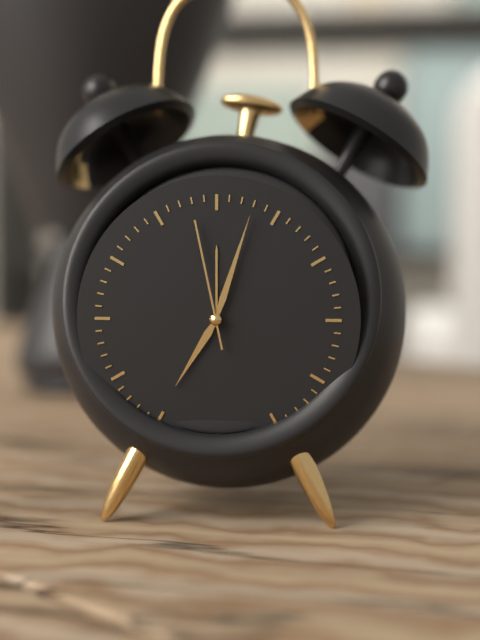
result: **7:03:58**
